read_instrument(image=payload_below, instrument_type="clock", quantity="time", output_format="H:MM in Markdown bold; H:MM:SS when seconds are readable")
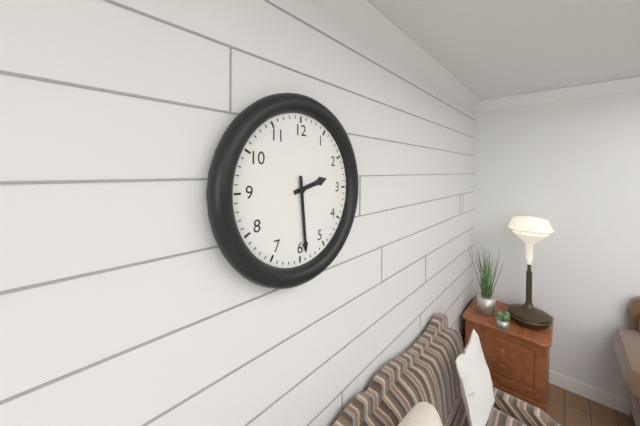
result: **2:29**
